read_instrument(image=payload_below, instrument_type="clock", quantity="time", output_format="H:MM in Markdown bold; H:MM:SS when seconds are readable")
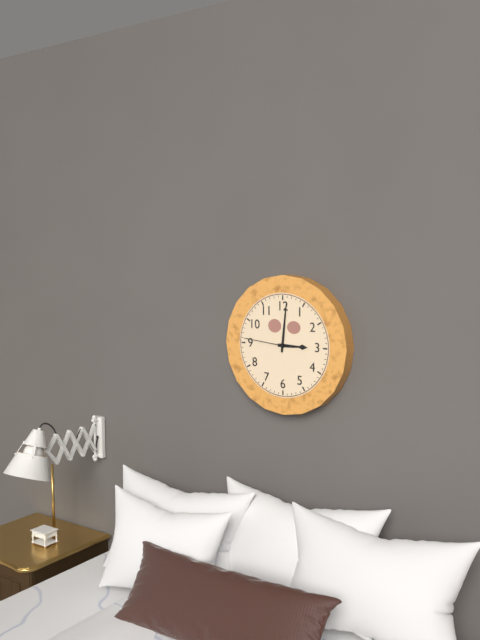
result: **3:01**
